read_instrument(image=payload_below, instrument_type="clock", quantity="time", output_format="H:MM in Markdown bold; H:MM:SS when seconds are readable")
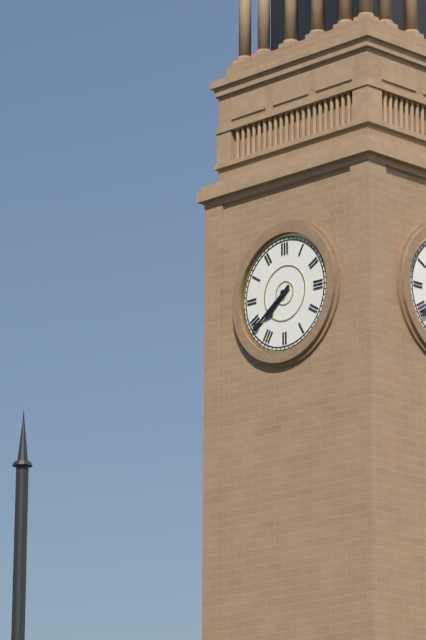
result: **7:39**
